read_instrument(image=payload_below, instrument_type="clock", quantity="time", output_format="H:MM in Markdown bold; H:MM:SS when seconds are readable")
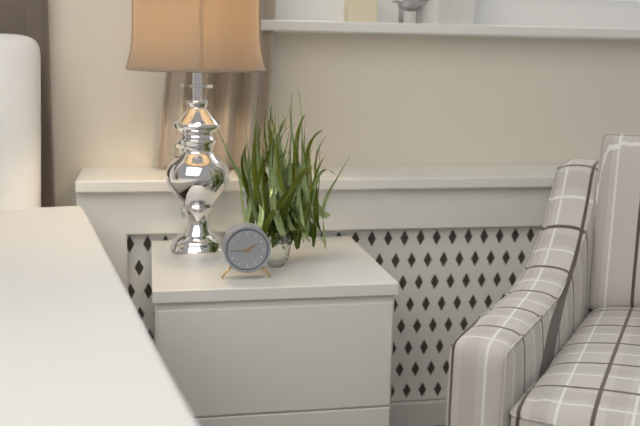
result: **1:45**
